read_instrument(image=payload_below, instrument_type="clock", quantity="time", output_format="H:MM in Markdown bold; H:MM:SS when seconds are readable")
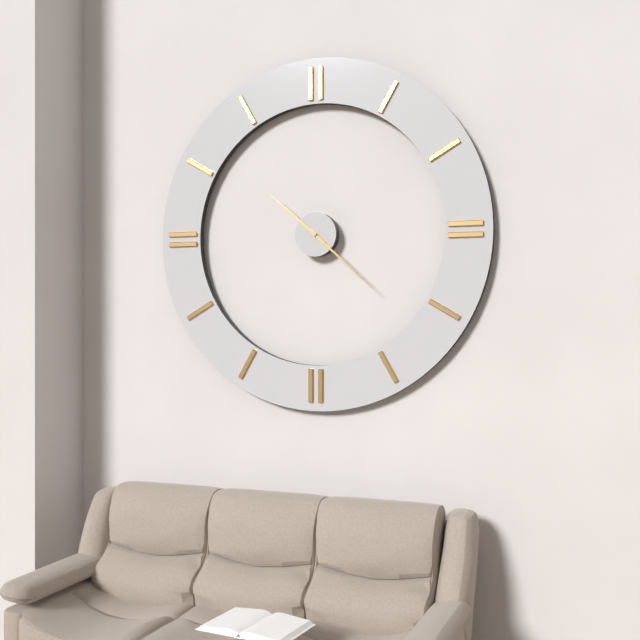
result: **10:22**
